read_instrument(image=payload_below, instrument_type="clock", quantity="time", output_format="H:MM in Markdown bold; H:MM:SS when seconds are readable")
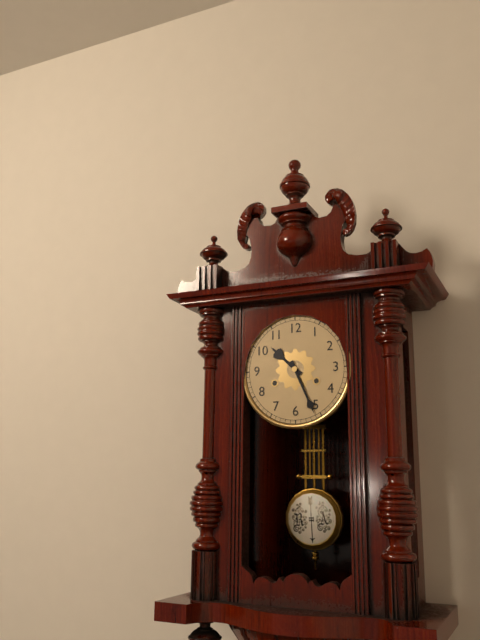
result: **10:26**
